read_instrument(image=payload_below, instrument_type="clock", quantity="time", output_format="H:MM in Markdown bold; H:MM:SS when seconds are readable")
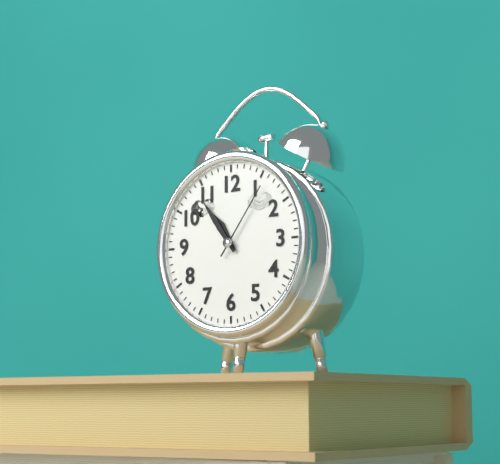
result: **10:54:06**
